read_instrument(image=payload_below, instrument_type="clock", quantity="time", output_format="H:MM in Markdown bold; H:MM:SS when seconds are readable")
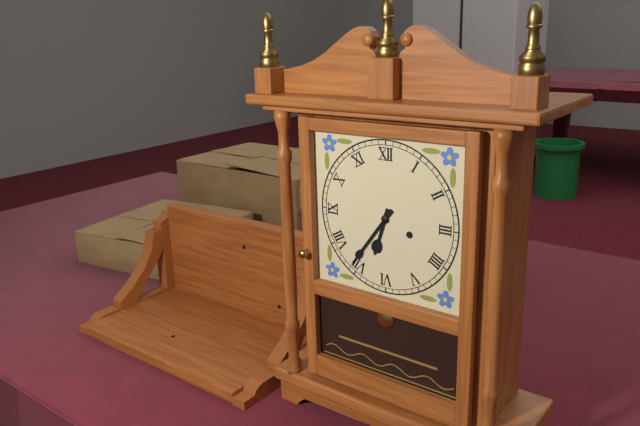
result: **6:36**
